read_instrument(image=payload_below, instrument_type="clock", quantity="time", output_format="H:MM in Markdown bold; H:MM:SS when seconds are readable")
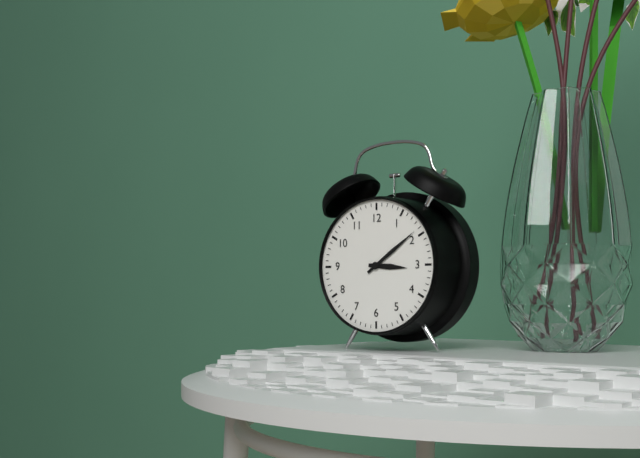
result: **3:09**
